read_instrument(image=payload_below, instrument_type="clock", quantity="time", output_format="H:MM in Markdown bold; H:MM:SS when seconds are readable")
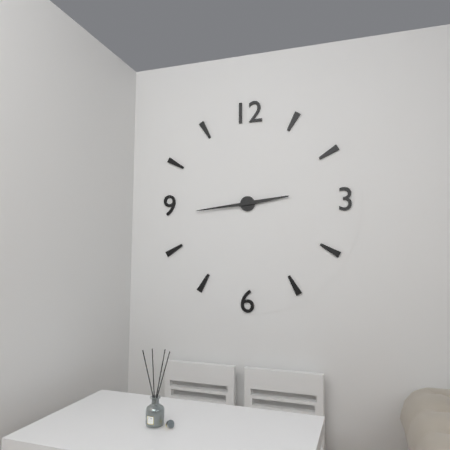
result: **2:44**
